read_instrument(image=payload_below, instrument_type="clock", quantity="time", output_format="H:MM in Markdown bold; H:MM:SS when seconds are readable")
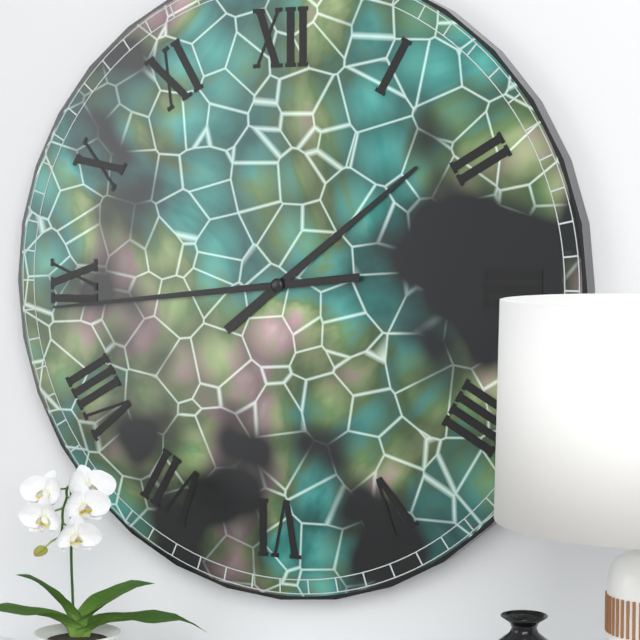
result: **1:44**
